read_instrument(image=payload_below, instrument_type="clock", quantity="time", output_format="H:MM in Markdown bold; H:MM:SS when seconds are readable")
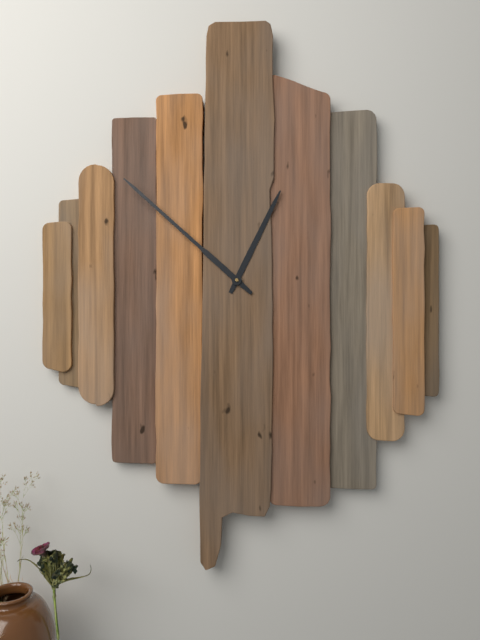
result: **12:52**
